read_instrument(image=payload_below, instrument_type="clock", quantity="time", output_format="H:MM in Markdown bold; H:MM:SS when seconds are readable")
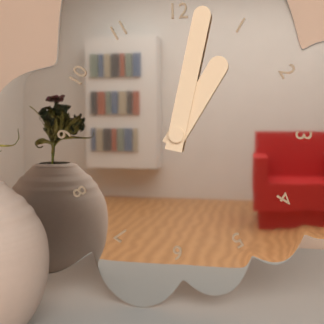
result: **1:02**
